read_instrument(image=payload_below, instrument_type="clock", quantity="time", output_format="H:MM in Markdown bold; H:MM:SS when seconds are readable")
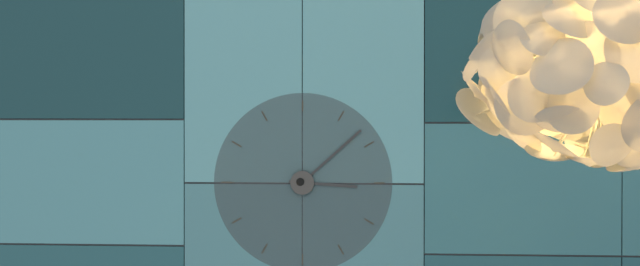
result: **3:08**
